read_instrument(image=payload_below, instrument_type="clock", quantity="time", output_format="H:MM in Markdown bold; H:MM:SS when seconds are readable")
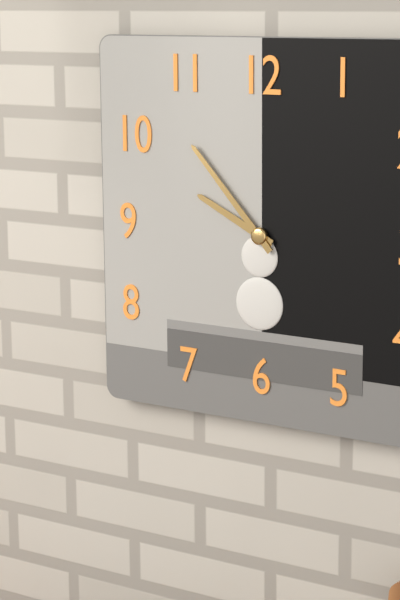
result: **9:53**
